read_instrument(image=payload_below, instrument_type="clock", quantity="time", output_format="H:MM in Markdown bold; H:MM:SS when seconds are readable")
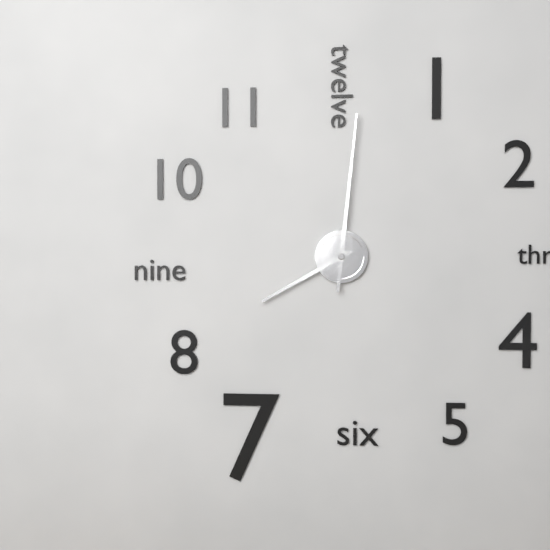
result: **8:01**
